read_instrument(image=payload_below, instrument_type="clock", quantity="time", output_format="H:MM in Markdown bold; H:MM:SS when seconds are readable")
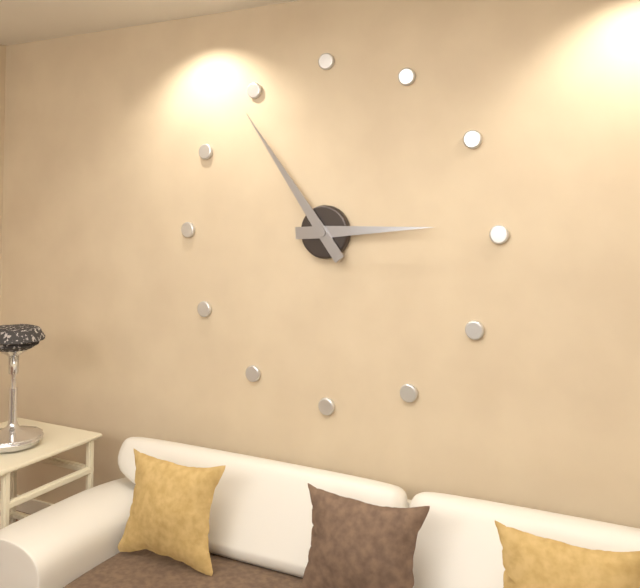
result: **2:54**
